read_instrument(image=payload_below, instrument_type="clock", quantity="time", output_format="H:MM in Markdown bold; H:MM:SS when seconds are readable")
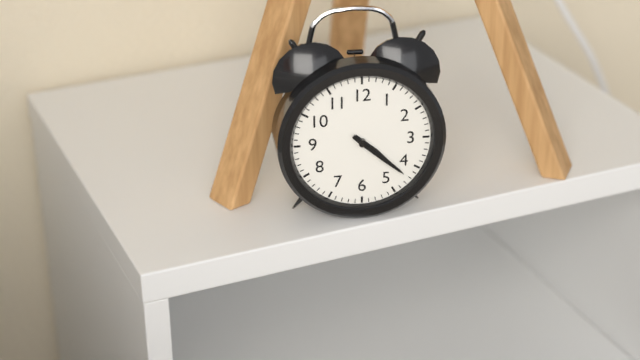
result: **4:22**
